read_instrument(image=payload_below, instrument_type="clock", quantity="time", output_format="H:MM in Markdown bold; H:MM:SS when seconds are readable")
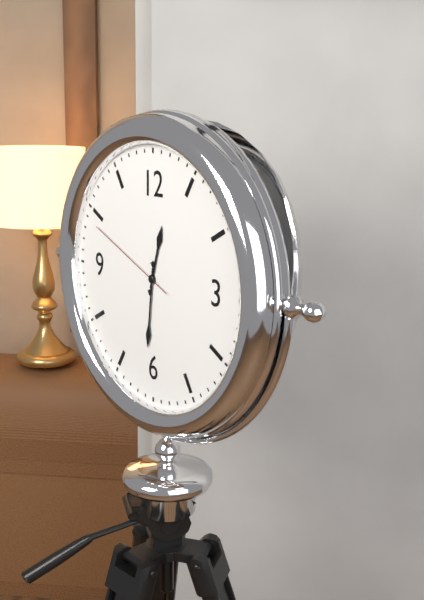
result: **12:31:49**
